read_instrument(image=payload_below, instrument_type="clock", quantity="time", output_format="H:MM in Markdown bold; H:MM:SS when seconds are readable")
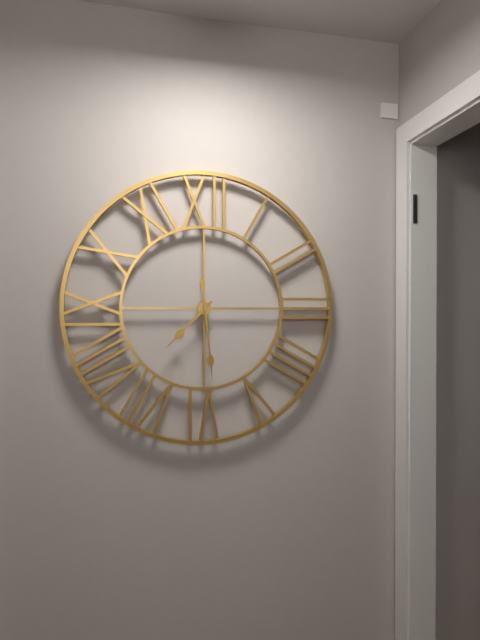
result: **7:29**
